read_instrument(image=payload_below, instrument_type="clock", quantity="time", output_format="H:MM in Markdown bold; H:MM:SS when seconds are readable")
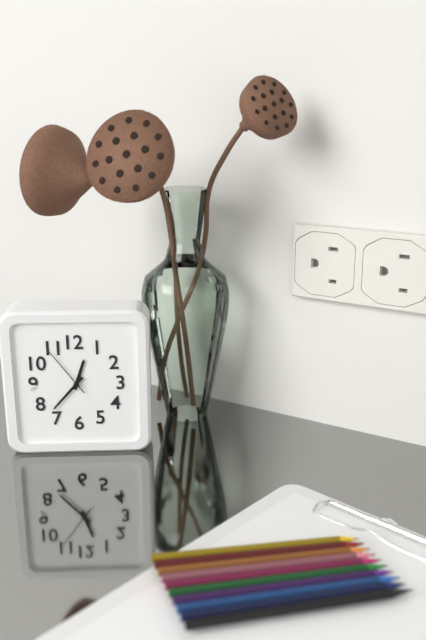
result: **12:37:54**
